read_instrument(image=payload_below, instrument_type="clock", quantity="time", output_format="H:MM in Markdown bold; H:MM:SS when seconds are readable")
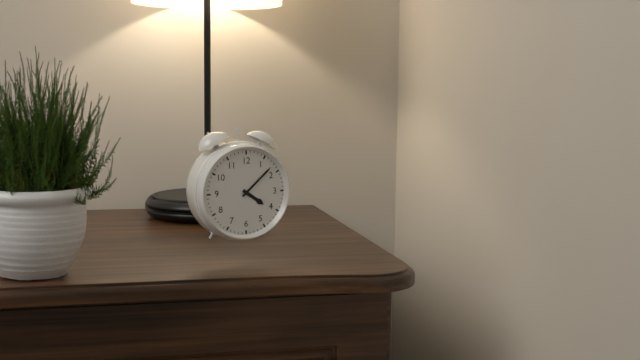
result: **4:08**
